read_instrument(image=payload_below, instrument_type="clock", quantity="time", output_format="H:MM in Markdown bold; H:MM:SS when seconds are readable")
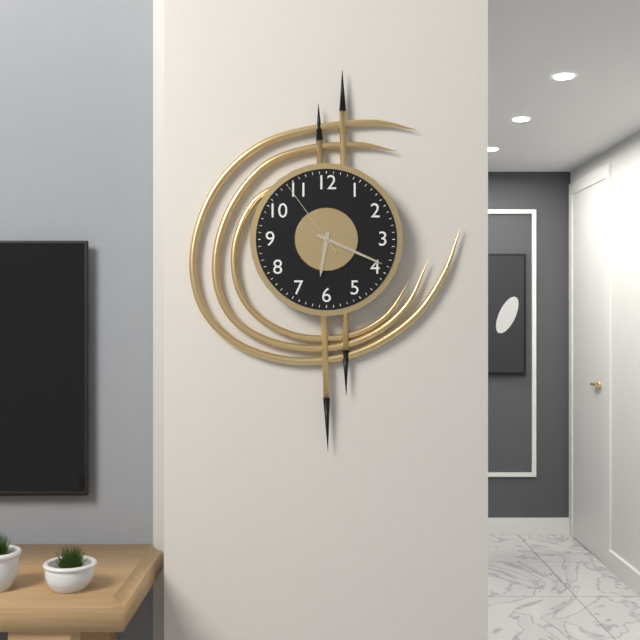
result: **6:19:54**
